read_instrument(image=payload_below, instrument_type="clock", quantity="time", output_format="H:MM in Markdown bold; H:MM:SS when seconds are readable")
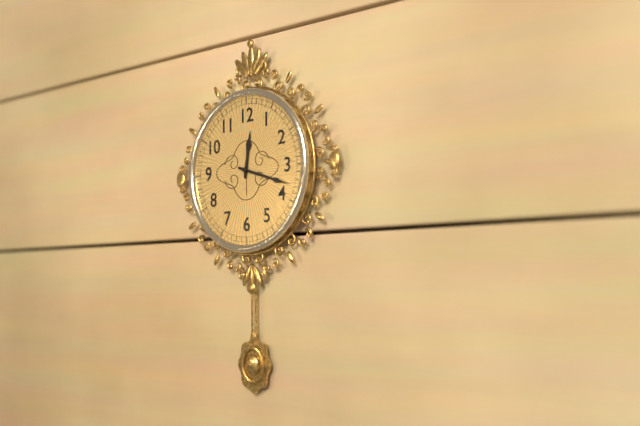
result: **12:18**
